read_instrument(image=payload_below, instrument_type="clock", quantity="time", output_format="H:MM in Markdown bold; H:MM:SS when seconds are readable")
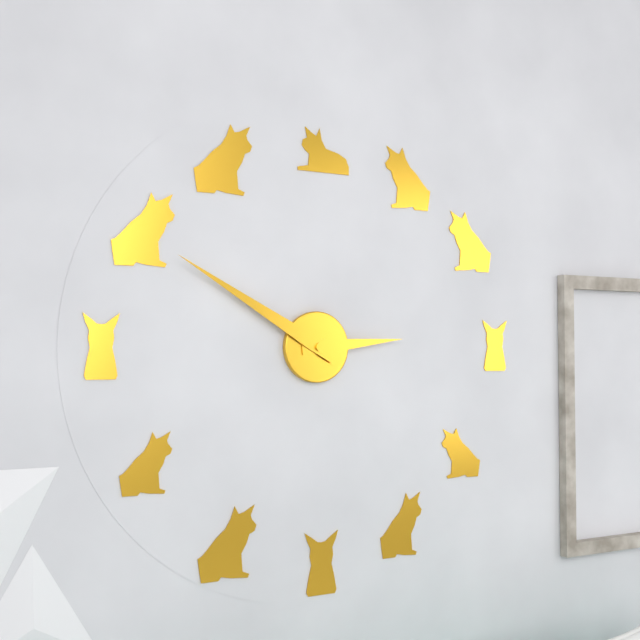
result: **2:50**
